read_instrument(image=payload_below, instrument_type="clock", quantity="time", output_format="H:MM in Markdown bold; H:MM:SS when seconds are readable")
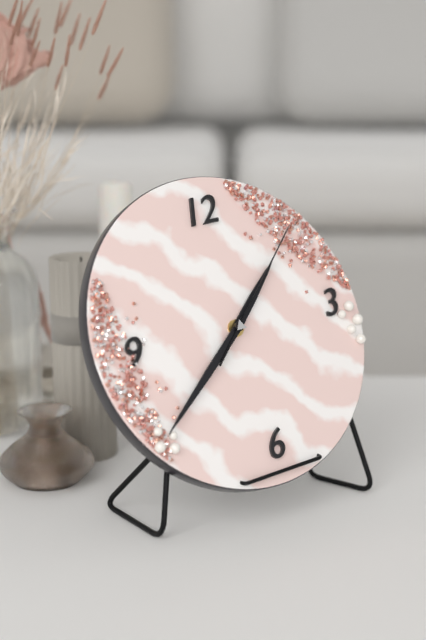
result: **1:39:08**
